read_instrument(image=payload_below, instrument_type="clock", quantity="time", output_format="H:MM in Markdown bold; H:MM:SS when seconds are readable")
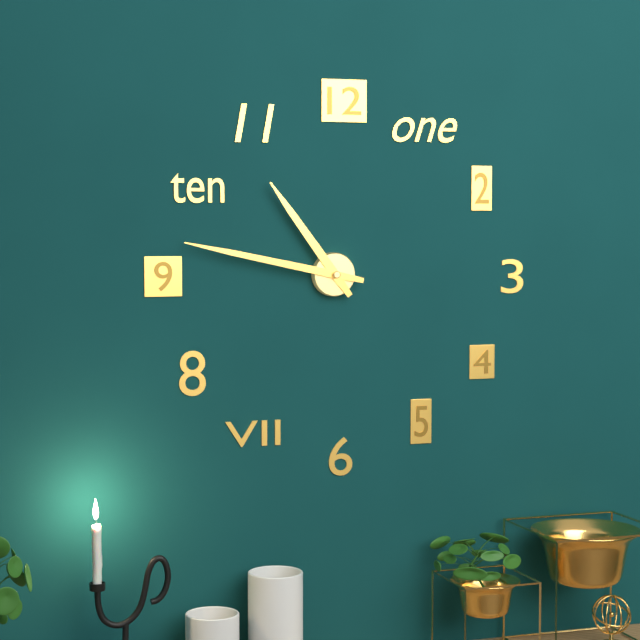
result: **10:47**
